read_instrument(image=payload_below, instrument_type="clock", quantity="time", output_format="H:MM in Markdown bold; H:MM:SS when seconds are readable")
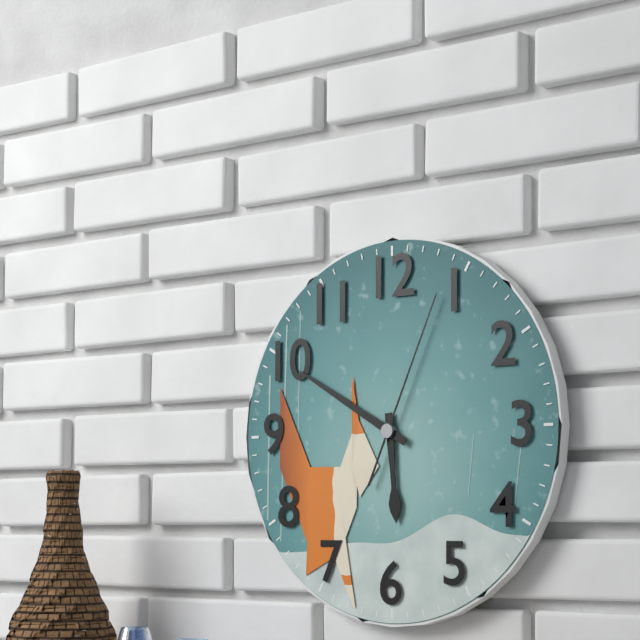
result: **5:50:04**
